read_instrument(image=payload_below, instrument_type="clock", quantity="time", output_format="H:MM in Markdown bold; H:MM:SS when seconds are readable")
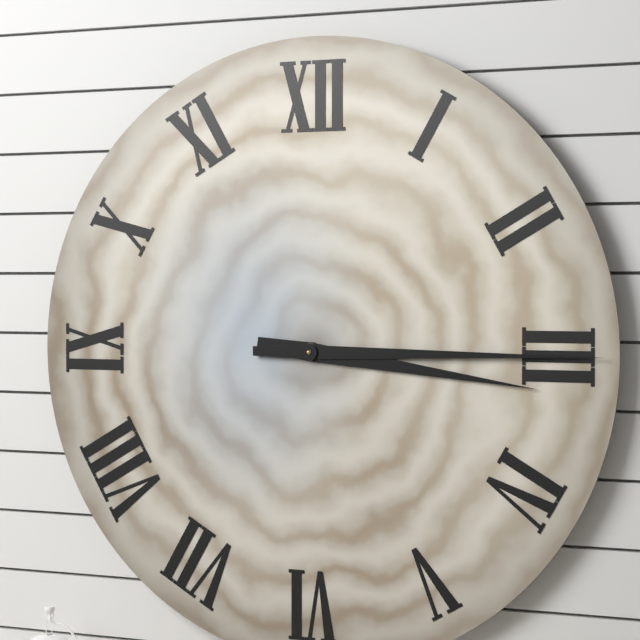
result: **3:15**
